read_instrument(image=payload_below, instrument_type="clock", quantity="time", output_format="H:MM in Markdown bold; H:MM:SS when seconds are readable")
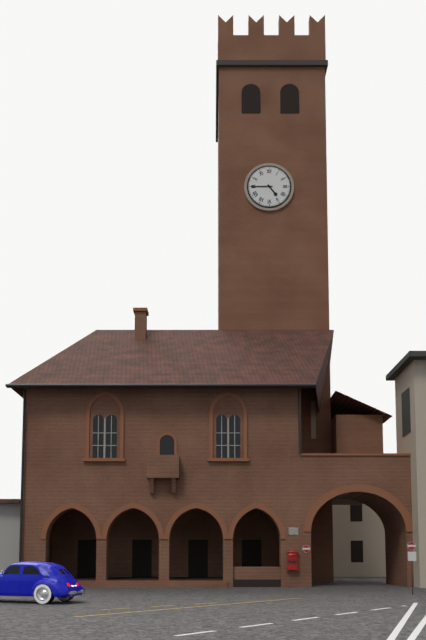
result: **4:45**
